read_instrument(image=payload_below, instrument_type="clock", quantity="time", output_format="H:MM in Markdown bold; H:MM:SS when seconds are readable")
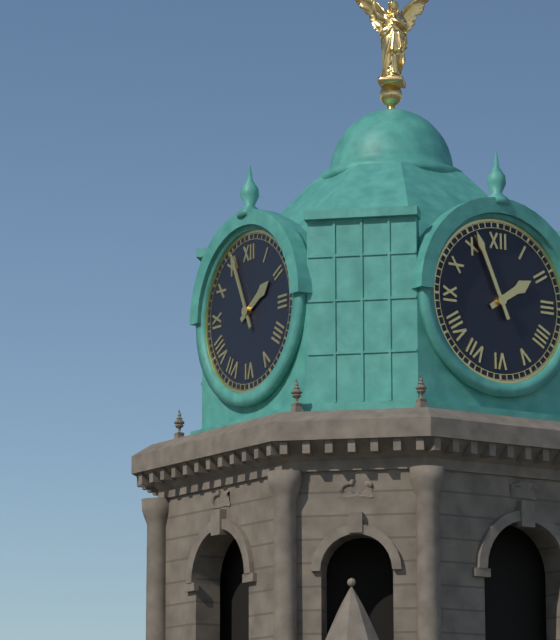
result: **1:56**
